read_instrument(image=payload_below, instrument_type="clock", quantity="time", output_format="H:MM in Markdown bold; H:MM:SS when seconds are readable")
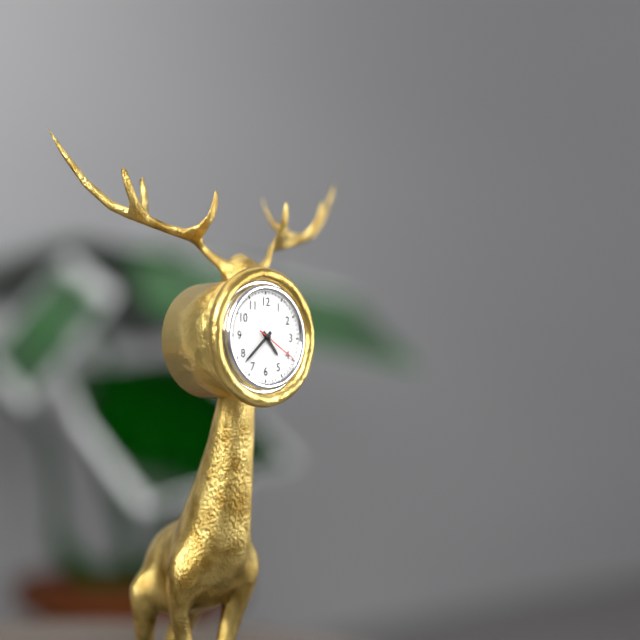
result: **4:38**
